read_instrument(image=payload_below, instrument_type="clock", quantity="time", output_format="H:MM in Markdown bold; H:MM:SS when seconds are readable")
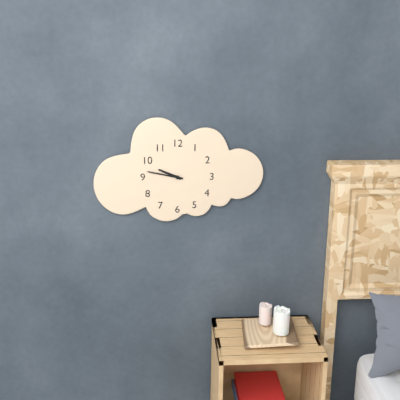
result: **9:47**
